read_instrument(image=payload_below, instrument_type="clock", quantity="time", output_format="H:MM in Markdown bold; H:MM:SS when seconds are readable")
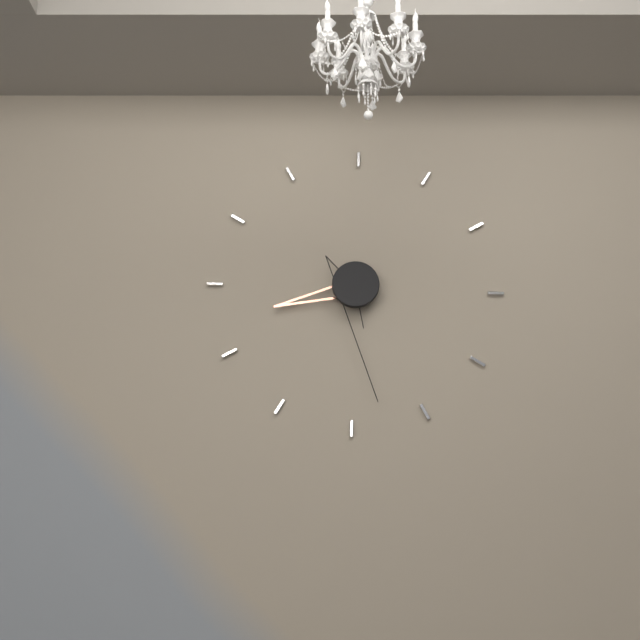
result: **8:28**
